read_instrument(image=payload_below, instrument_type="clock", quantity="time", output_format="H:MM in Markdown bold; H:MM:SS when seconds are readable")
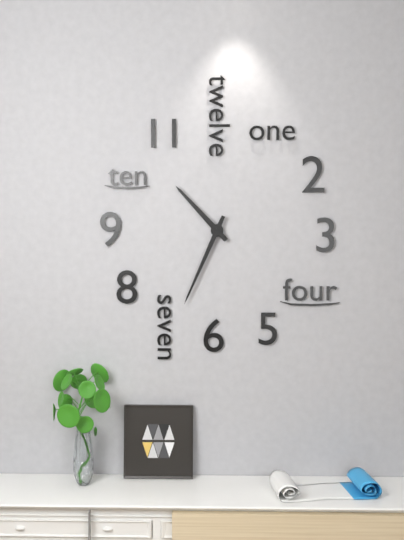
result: **10:34**
